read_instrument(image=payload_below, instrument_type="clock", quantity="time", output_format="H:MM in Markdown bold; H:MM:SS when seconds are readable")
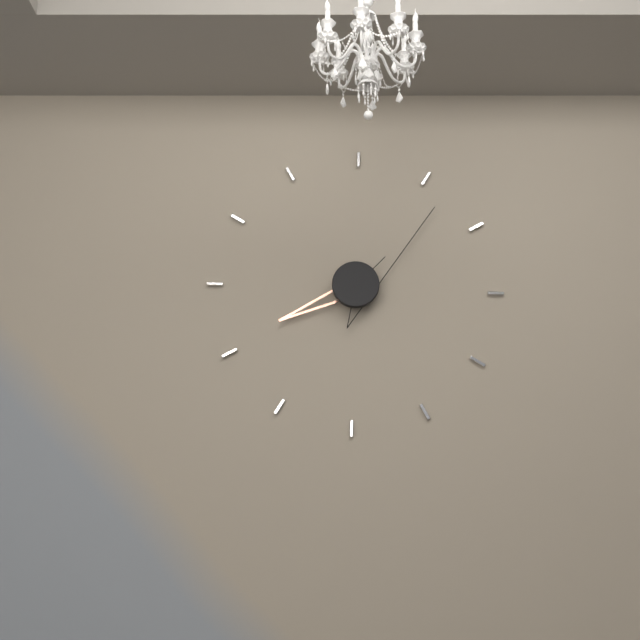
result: **8:07**
